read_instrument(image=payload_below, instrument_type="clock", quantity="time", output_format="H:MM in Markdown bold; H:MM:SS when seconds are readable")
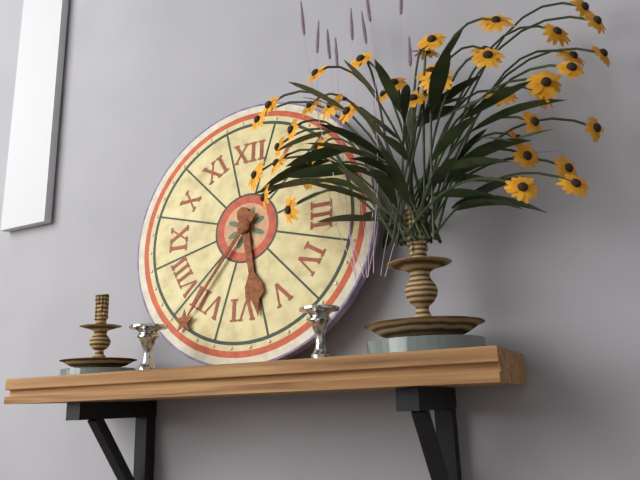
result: **5:36**
